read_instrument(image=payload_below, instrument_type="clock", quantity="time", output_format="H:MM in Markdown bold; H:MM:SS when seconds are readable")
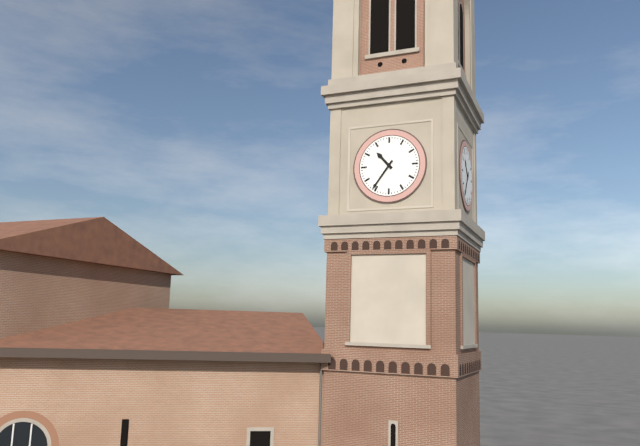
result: **10:36**
